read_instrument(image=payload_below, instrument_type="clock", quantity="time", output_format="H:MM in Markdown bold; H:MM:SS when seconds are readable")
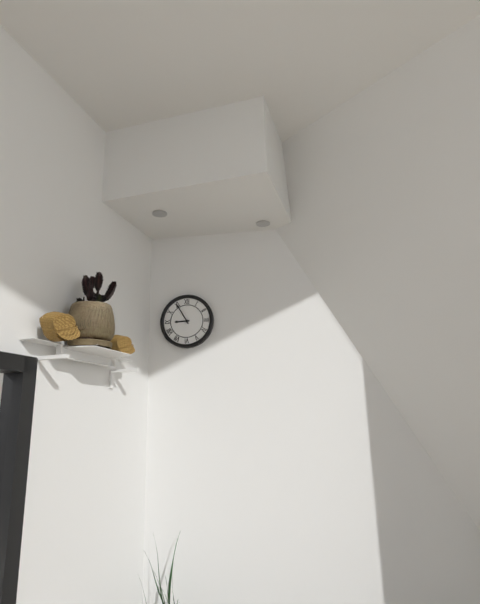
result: **8:55**
